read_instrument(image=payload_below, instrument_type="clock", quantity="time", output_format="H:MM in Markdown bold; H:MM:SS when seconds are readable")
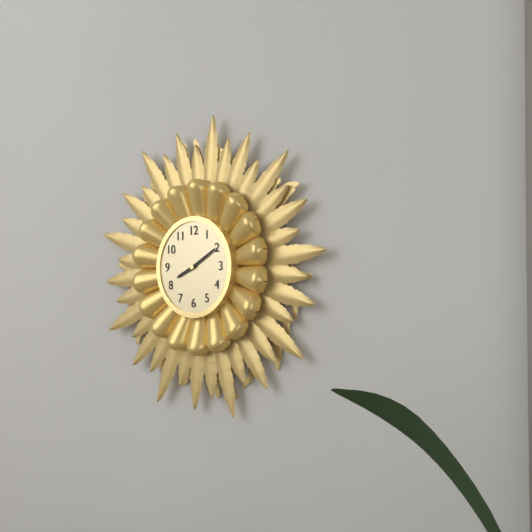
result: **8:10**
